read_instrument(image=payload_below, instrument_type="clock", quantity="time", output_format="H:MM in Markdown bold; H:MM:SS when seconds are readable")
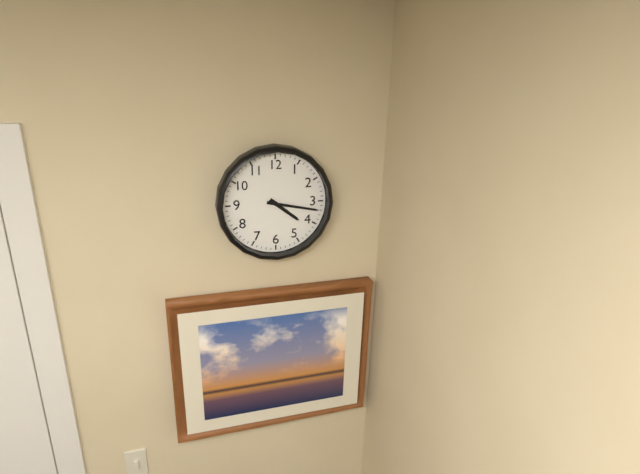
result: **4:17**
